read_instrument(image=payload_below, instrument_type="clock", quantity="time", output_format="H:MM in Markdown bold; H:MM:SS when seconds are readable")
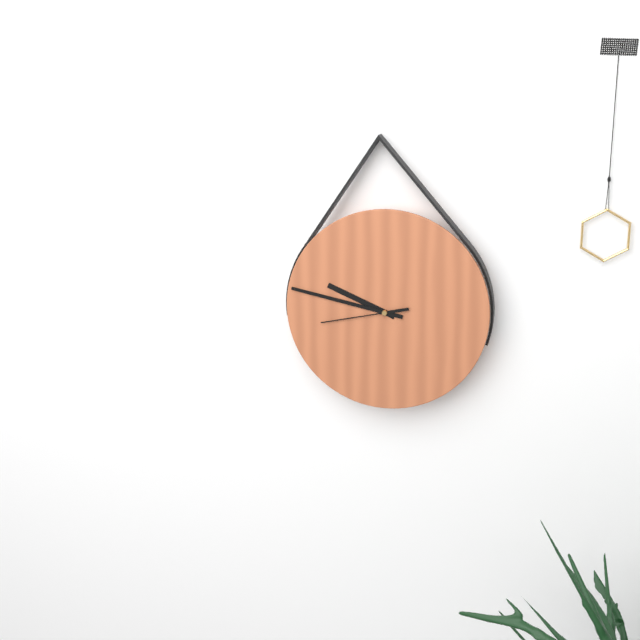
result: **9:47:43**
